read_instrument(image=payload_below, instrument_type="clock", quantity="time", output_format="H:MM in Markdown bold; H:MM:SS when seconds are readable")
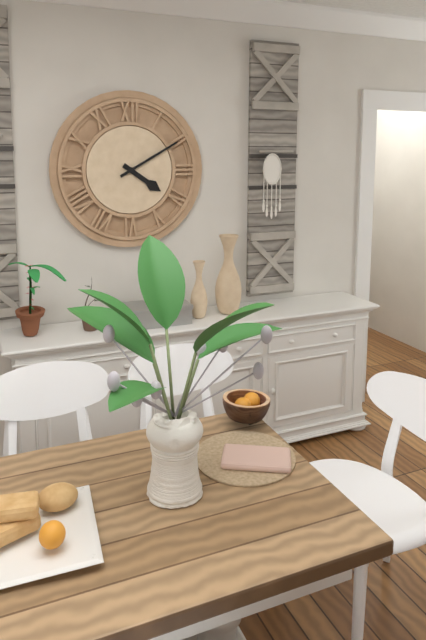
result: **4:10**
